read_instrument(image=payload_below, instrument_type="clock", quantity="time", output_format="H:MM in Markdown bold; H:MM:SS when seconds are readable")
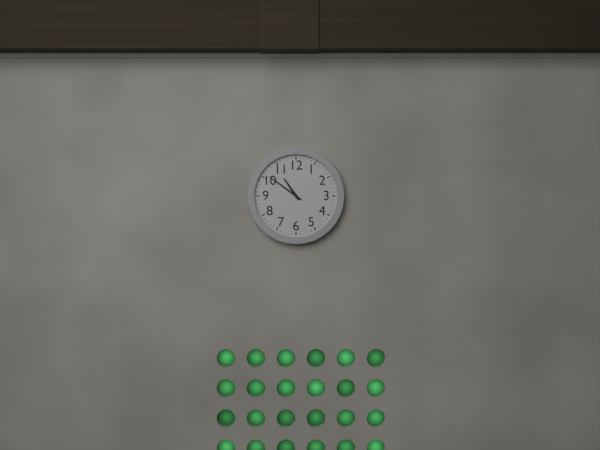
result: **10:51**
